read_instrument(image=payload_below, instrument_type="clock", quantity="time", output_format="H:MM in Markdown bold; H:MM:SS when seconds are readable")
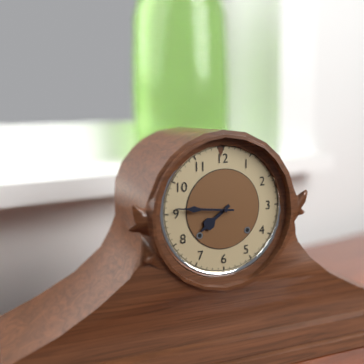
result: **7:46**
